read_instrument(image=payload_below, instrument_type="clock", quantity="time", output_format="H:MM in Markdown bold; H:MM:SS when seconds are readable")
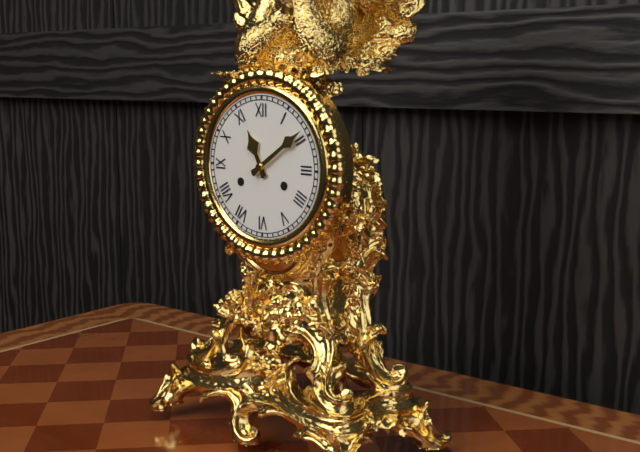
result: **11:09**
